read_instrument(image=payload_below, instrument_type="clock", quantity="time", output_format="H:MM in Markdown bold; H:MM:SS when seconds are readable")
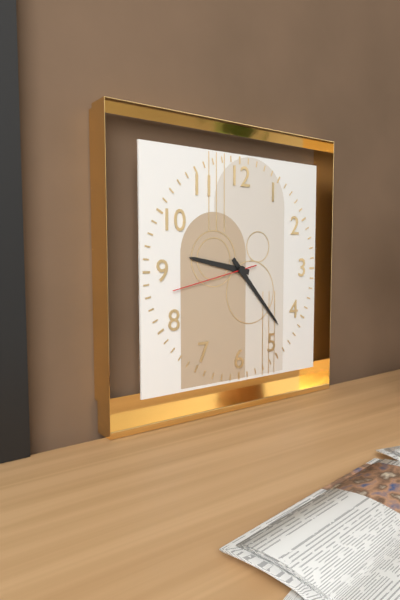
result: **9:23:43**
